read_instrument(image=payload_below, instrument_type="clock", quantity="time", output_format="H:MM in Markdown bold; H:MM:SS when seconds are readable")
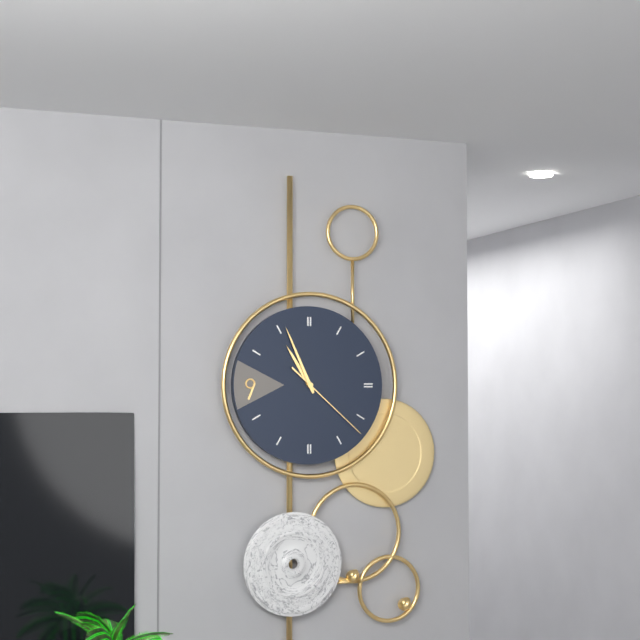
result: **10:56:22**
